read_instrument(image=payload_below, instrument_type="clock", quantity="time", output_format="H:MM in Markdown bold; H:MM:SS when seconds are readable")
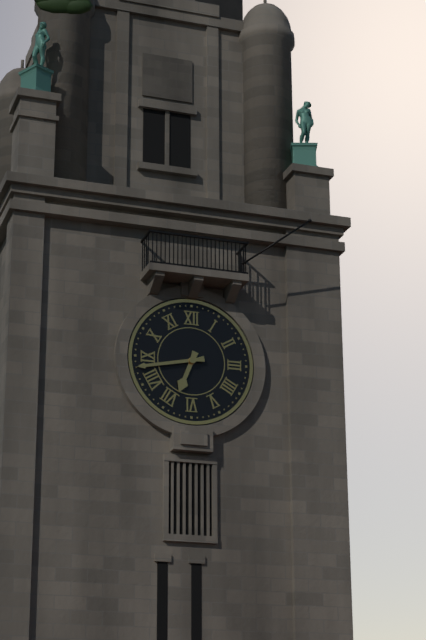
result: **6:43**
